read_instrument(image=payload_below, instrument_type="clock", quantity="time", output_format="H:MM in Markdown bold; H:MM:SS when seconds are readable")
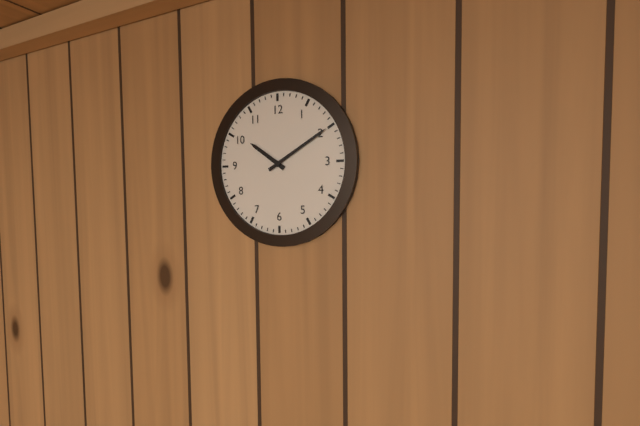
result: **10:10**
